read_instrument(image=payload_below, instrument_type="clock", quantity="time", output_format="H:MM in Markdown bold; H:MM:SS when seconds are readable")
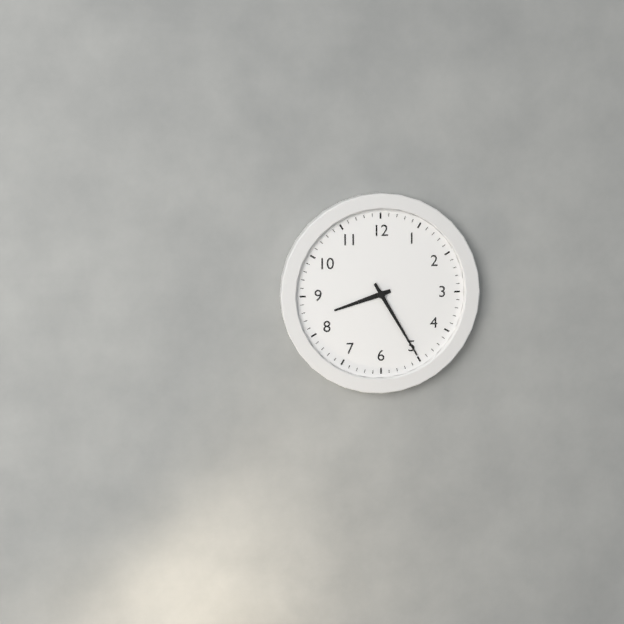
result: **8:25**
